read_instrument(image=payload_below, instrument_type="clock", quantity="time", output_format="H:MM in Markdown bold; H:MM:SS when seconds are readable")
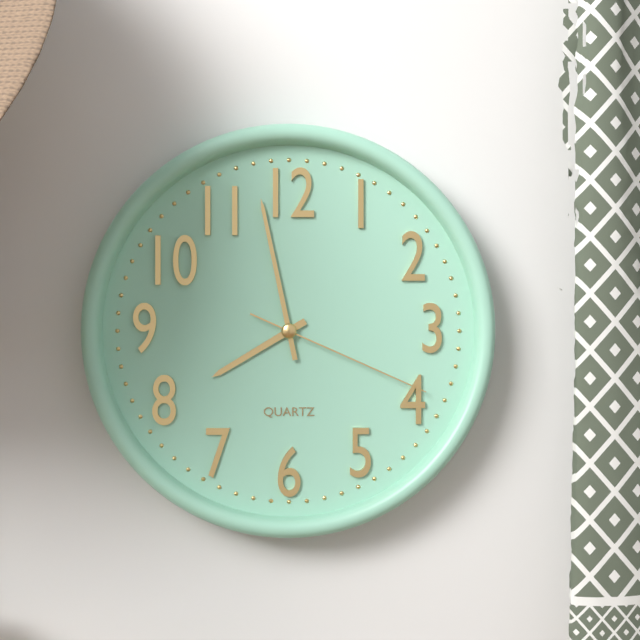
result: **7:58:19**
